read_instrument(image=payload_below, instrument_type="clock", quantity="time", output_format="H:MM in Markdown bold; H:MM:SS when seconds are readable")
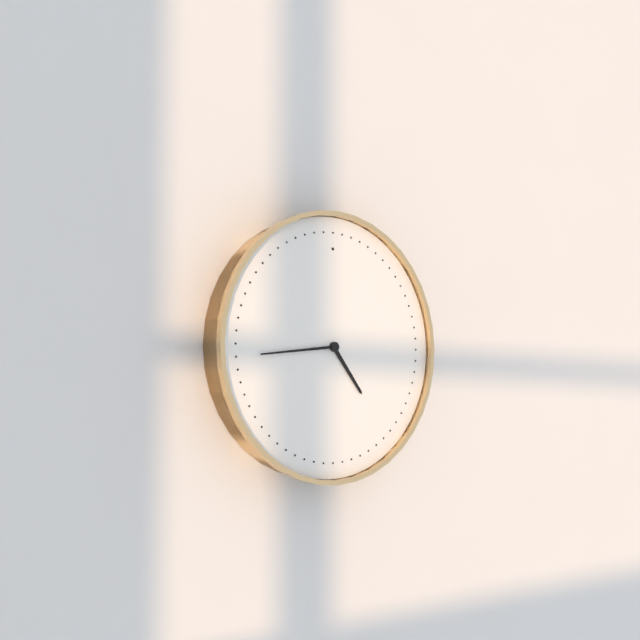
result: **4:44**
